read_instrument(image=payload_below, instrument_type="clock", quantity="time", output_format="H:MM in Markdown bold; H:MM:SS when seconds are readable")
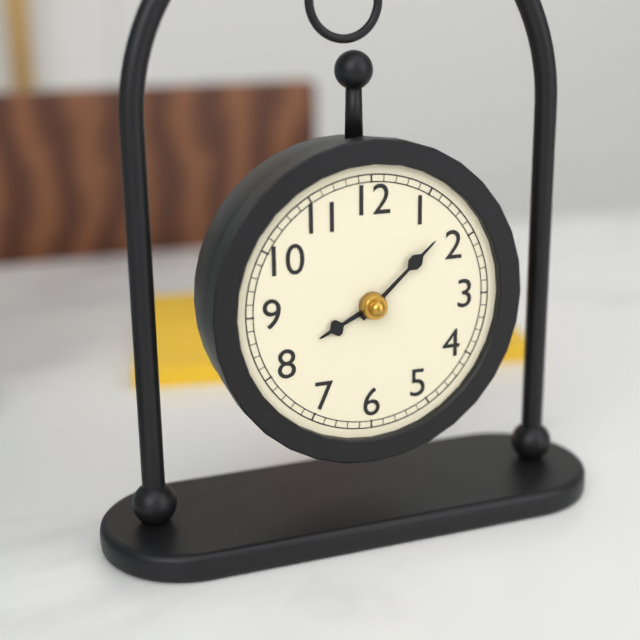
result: **8:08**
